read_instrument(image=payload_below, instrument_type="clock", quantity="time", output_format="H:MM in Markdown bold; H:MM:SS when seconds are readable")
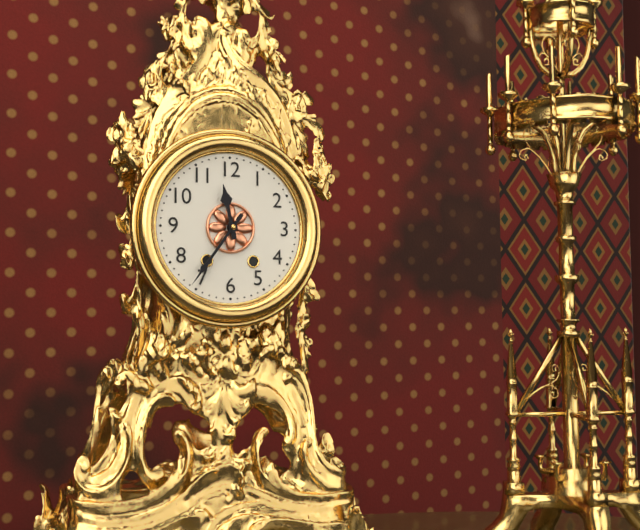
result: **11:36**
